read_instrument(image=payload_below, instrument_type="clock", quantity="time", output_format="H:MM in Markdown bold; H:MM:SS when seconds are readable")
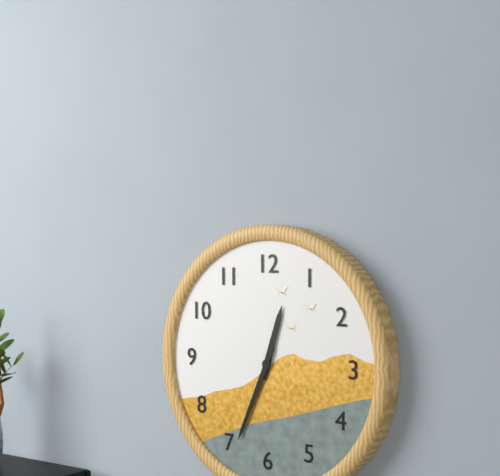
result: **12:34**
